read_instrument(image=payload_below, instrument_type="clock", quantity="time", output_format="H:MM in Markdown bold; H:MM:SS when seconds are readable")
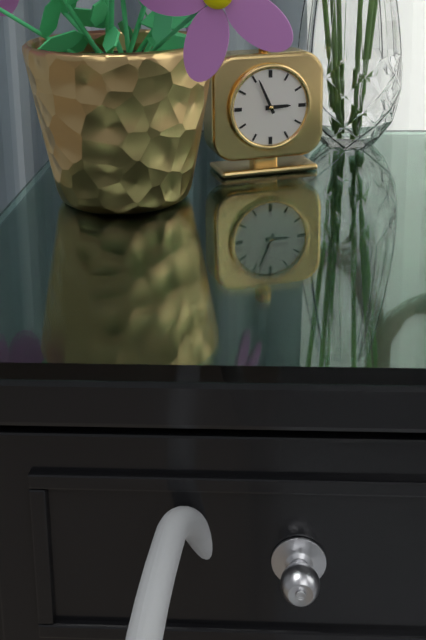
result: **2:56**
